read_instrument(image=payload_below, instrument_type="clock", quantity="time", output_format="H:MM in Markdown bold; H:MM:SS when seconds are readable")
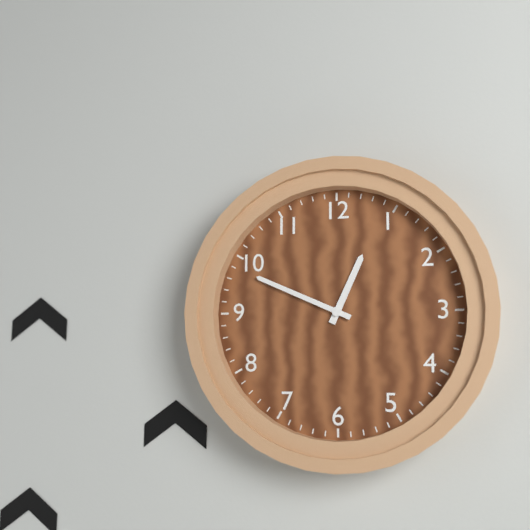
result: **12:49**
